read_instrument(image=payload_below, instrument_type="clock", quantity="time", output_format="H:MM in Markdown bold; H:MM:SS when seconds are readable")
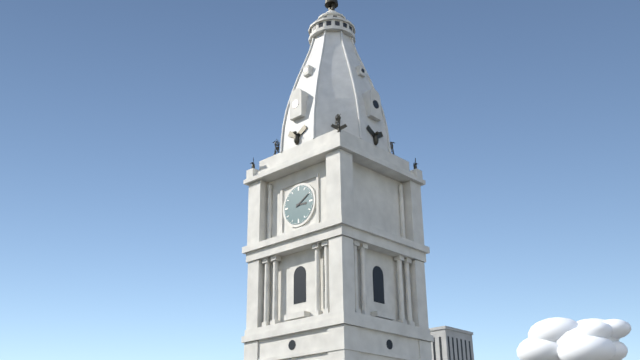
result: **3:10**
